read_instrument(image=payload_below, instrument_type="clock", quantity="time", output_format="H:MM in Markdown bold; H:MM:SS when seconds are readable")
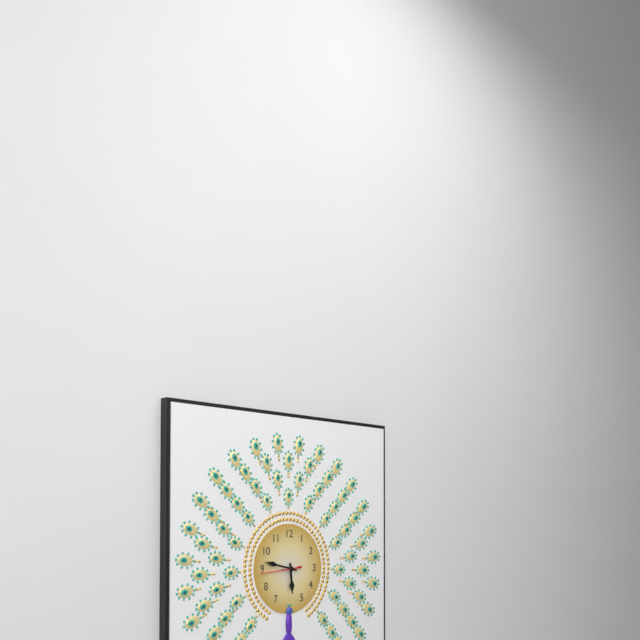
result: **5:47**
